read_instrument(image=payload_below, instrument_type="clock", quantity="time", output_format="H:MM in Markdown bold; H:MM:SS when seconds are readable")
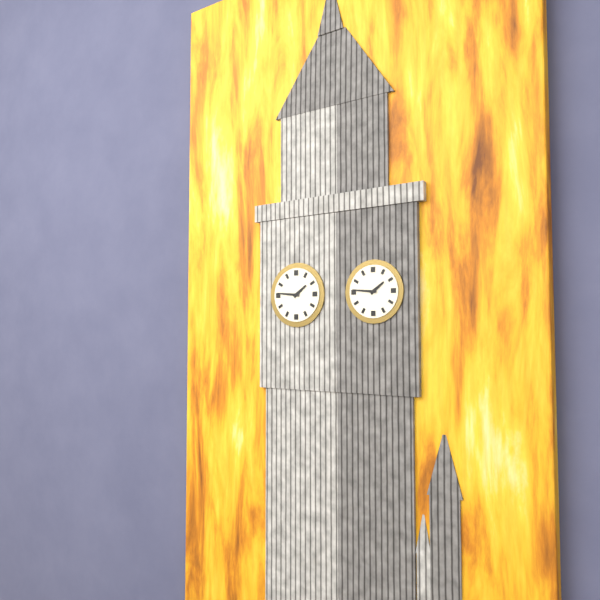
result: **1:46**
